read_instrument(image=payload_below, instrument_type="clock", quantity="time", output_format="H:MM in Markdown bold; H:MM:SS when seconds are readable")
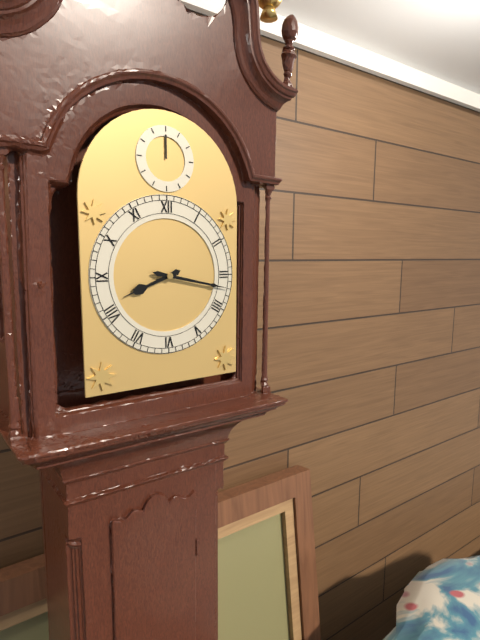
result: **8:17**
